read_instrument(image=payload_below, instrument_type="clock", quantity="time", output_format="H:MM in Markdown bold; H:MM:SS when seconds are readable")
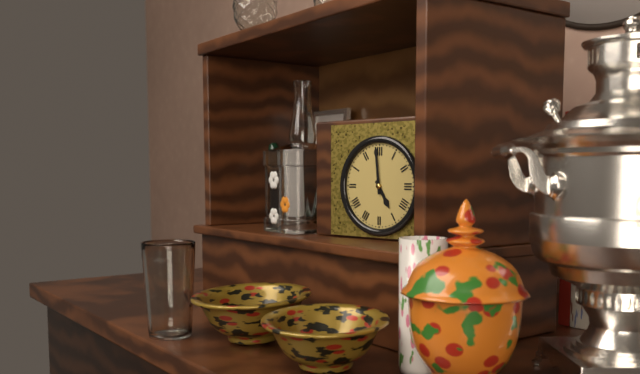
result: **4:59**
